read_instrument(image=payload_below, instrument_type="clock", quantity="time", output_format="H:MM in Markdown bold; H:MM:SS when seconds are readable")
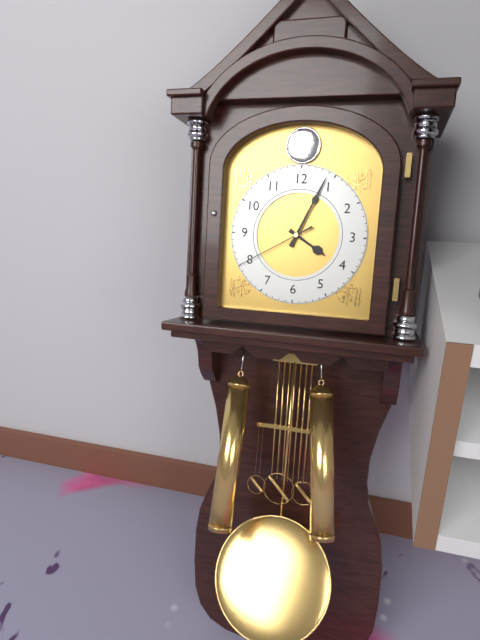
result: **4:04:40**
